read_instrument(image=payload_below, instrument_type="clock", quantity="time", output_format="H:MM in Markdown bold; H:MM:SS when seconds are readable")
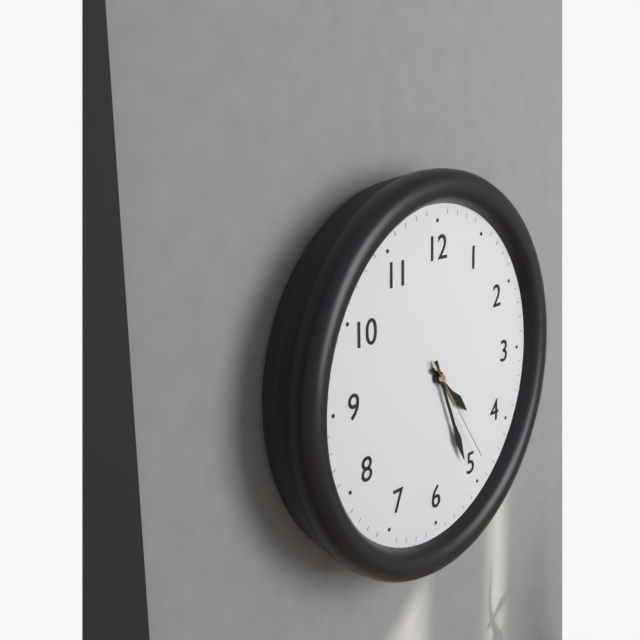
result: **4:26:24**
